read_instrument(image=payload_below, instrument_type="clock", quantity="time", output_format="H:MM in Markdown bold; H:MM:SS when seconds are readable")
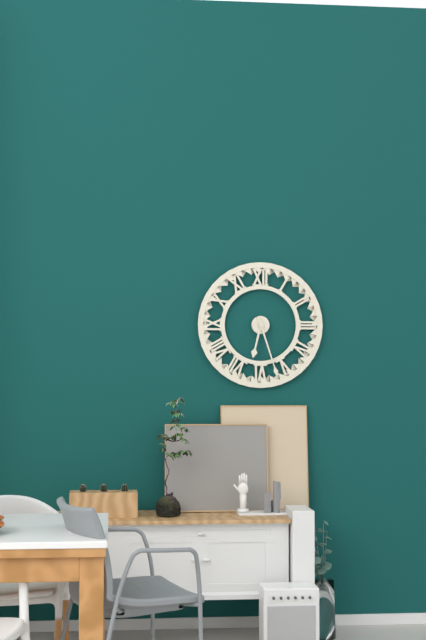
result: **6:27**
